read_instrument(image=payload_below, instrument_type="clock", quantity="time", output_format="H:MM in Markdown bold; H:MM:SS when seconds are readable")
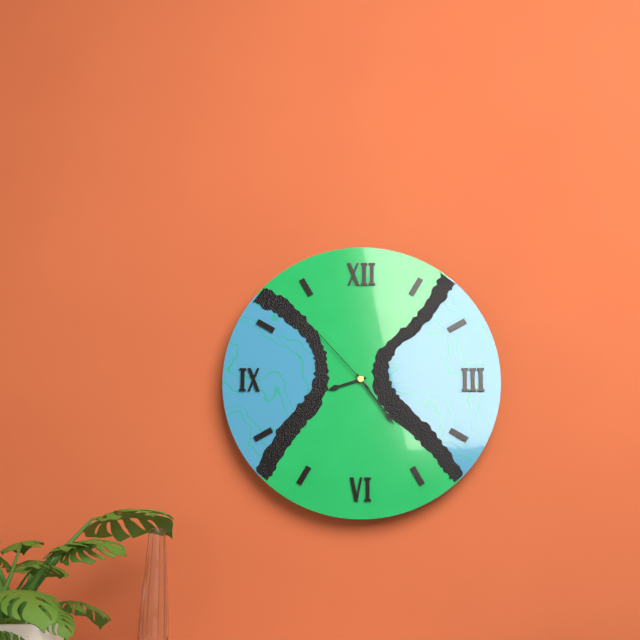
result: **8:24:53**
